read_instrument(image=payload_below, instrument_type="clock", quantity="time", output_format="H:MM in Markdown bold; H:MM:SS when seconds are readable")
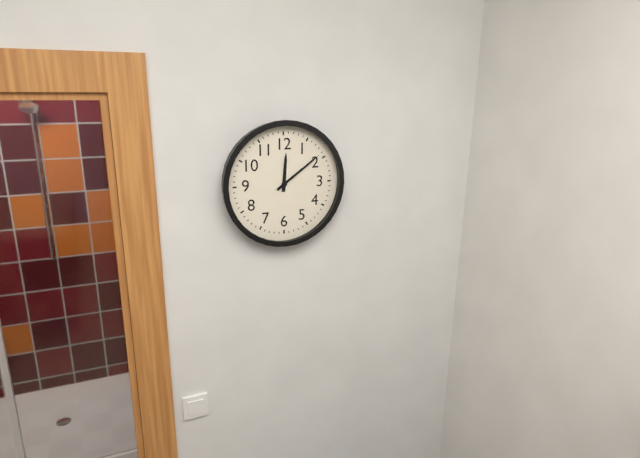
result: **12:09**
